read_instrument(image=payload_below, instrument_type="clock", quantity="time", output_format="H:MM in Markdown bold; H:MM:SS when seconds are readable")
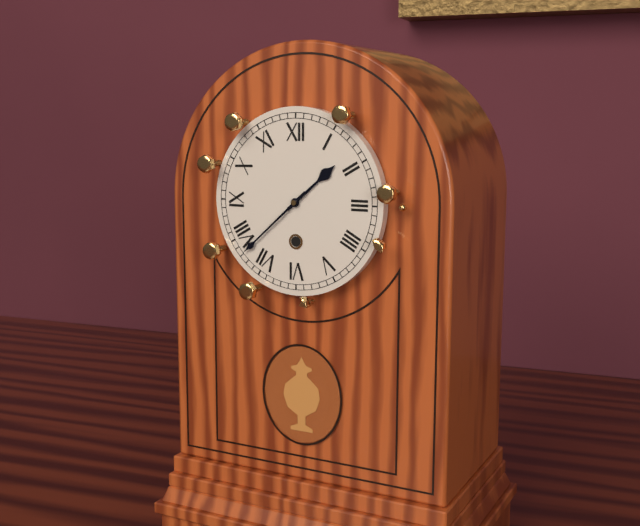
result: **1:38**
